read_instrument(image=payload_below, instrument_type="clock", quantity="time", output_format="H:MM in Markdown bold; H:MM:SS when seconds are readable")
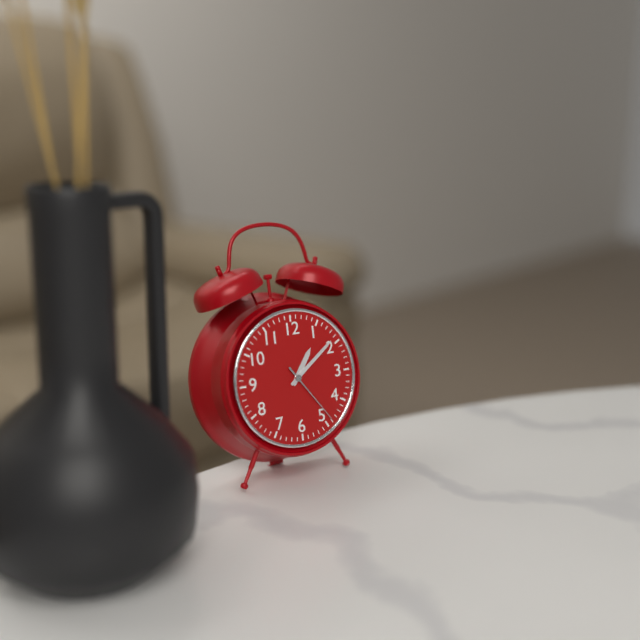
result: **1:09:24**
